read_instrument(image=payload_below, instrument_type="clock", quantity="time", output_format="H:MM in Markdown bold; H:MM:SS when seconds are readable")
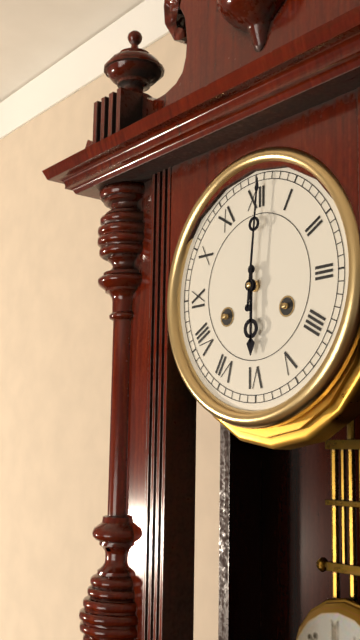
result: **6:01**
